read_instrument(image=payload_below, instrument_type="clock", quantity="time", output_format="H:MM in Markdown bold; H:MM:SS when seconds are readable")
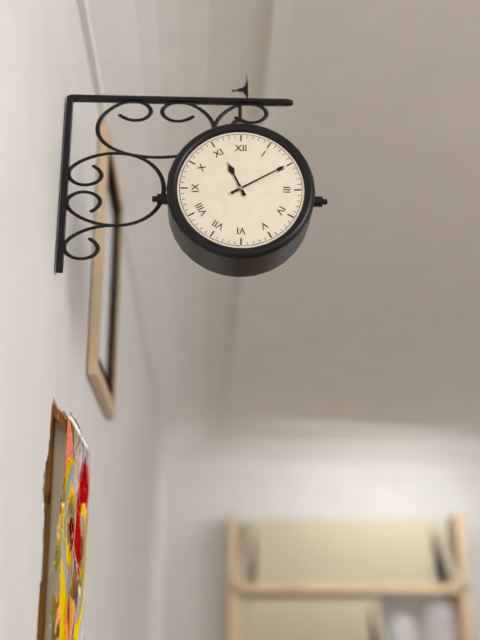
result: **11:10**
